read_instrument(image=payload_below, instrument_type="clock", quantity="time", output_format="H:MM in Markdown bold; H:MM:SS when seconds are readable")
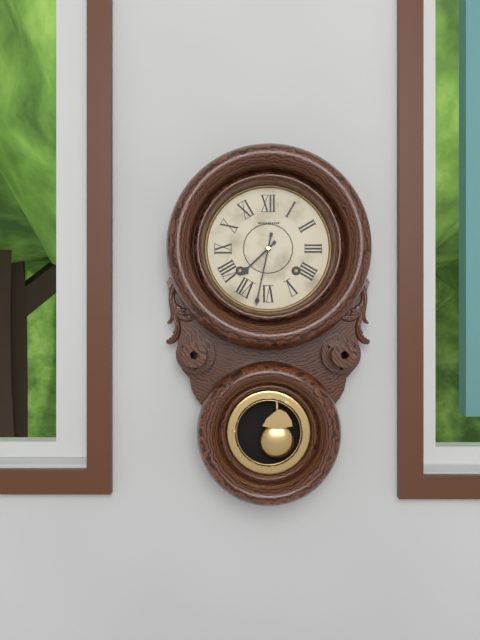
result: **7:32**
